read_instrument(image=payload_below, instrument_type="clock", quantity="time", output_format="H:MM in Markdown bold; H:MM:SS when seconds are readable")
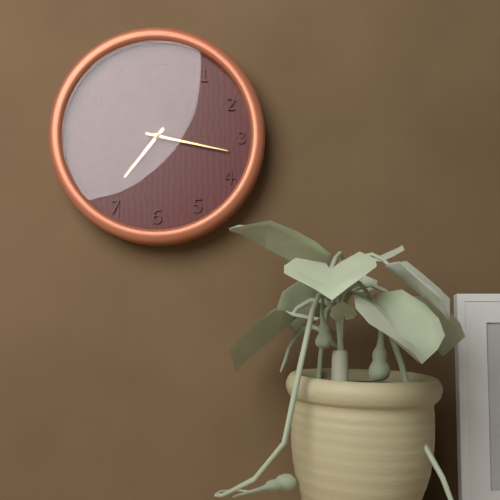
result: **7:17**
